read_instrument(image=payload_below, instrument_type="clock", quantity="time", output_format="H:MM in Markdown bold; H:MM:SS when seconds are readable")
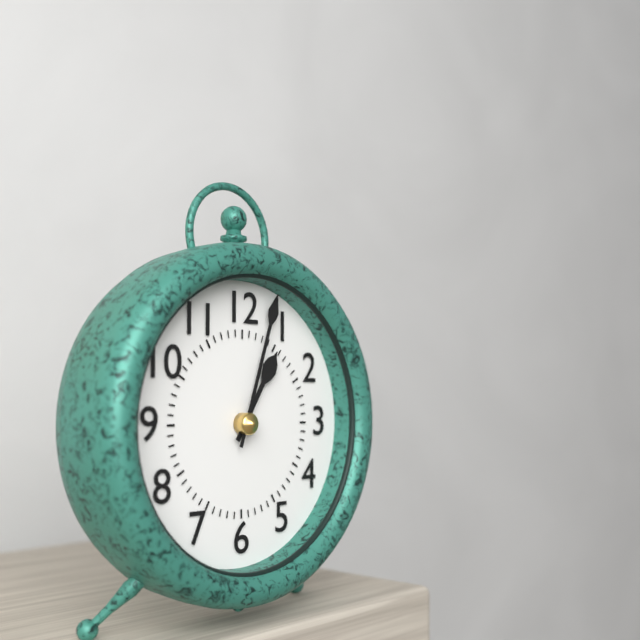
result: **1:03**
